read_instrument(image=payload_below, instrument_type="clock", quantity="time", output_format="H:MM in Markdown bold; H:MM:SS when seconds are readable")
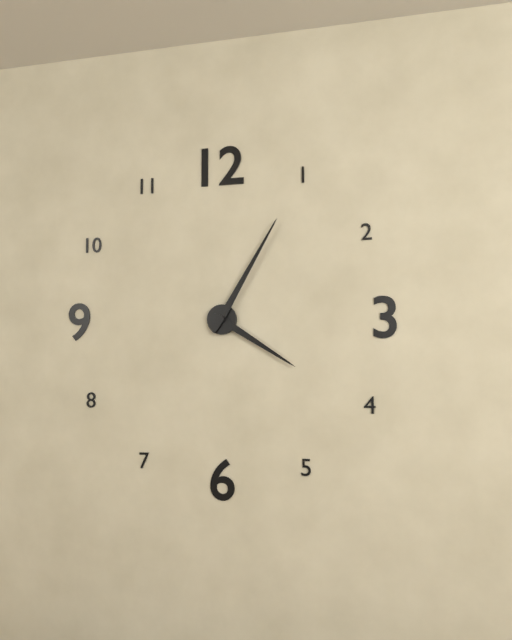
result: **4:05**
